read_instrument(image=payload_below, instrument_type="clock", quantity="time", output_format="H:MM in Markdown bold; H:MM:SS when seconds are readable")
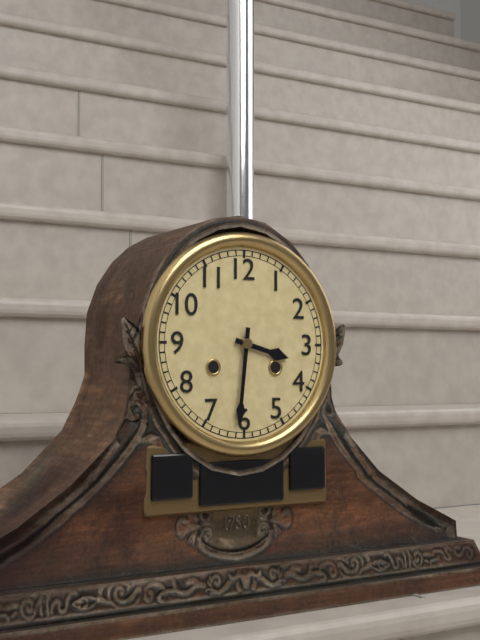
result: **3:31**
